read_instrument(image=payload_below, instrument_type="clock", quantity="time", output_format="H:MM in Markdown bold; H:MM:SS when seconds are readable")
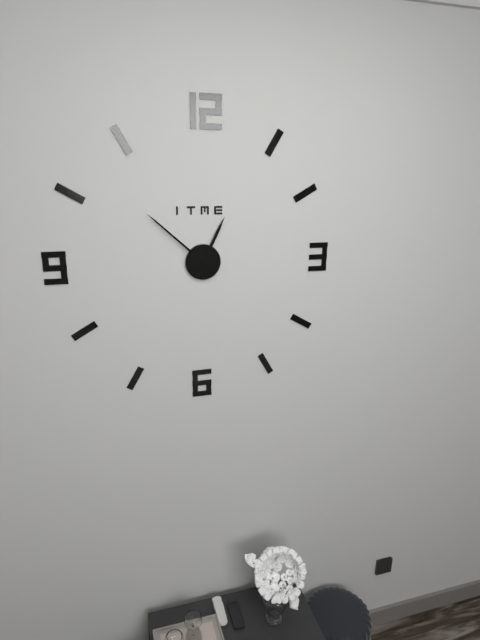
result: **12:52**
